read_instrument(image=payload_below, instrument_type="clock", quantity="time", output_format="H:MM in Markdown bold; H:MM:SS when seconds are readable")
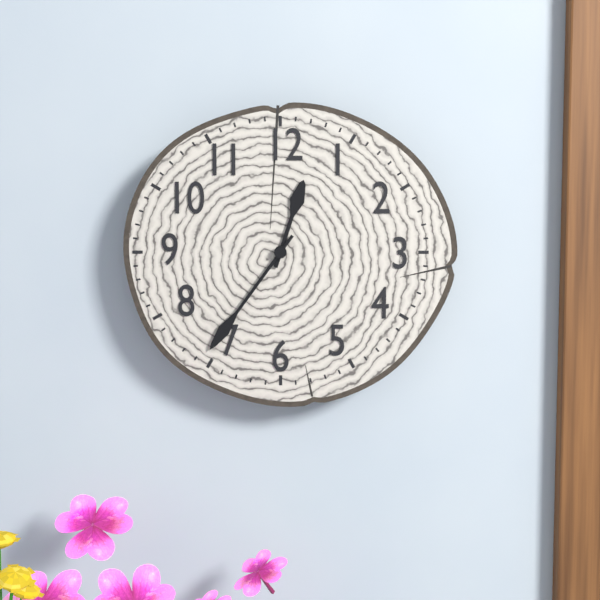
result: **12:36**
